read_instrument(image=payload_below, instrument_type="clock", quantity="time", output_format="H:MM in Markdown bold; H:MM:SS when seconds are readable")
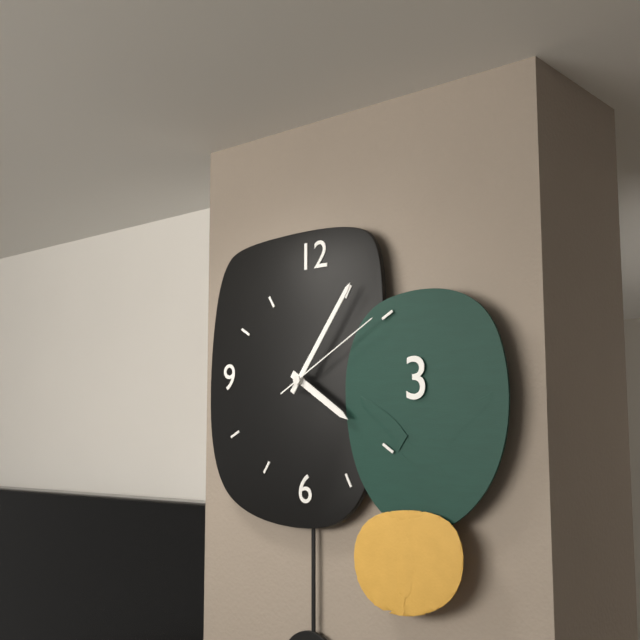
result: **4:06:10**
